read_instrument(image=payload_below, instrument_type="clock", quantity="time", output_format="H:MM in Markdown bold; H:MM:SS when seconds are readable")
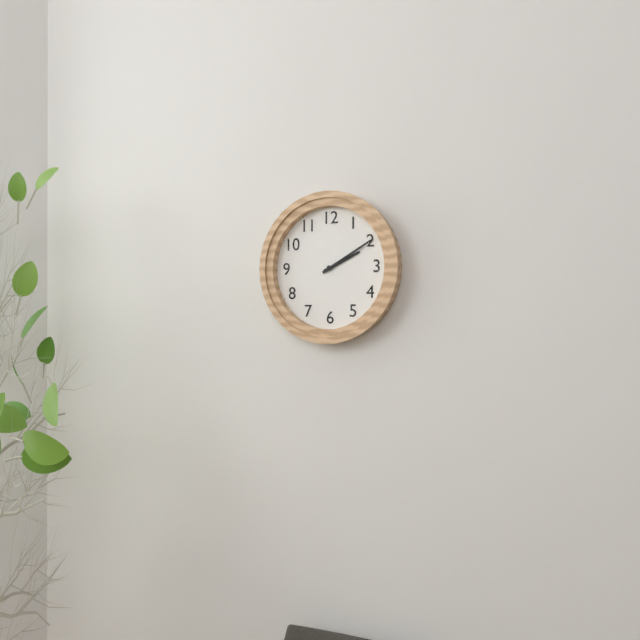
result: **2:10**
